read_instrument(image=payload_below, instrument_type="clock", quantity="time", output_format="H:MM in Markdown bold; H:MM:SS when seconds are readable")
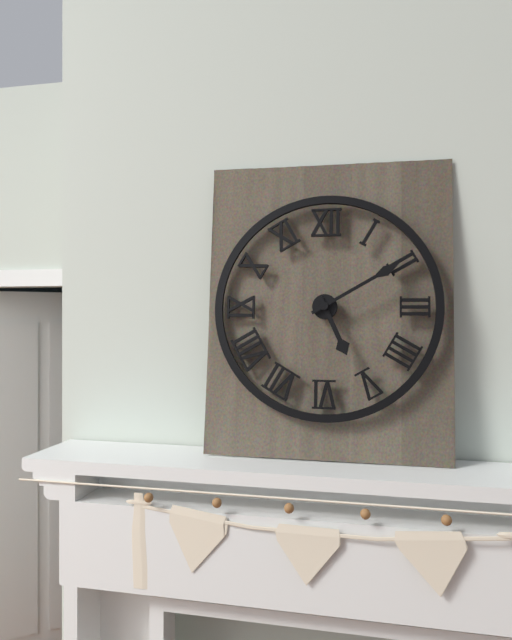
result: **5:10**
